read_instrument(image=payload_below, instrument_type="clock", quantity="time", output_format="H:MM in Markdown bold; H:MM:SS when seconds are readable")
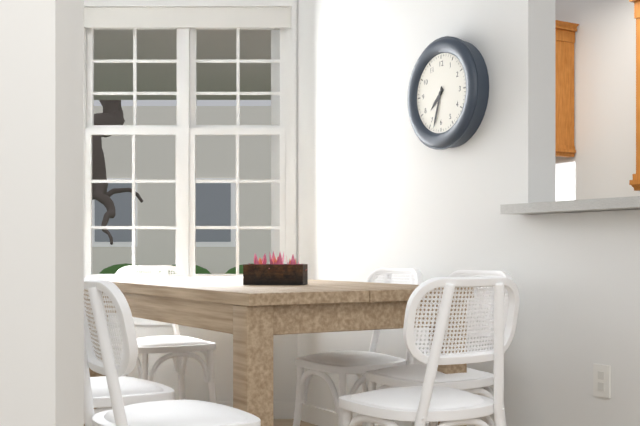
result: **7:33**
